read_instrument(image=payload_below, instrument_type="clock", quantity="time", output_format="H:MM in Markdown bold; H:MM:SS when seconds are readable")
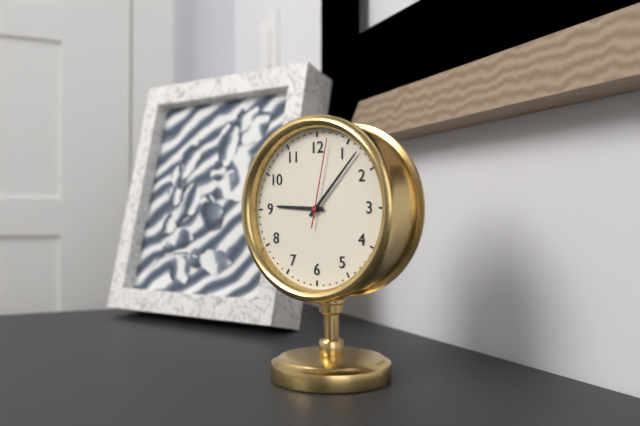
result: **9:07:02**
